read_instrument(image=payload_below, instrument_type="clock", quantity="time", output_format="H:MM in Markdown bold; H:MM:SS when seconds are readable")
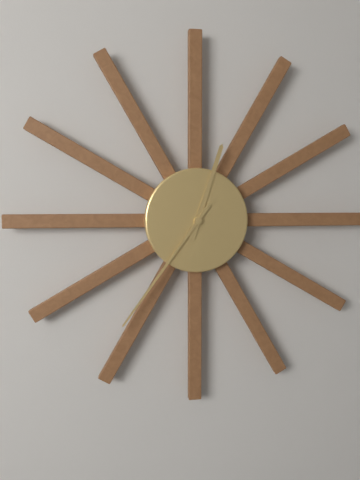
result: **12:36**
